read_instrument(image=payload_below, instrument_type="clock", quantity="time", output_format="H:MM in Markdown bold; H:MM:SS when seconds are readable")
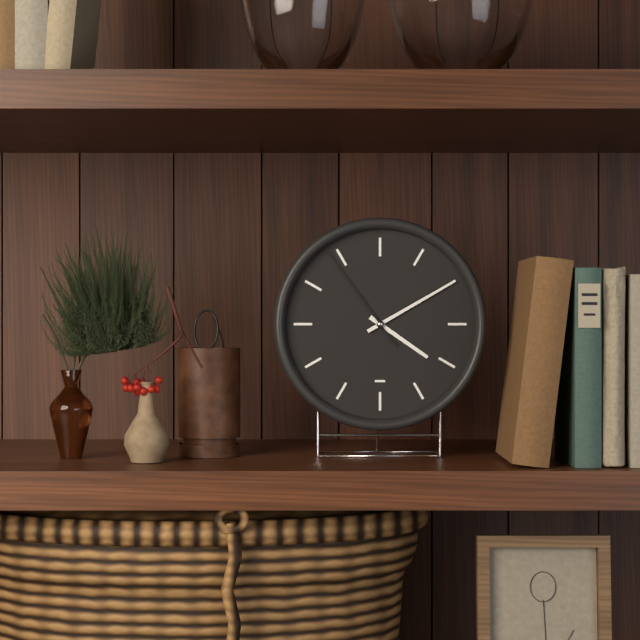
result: **4:10:54**
